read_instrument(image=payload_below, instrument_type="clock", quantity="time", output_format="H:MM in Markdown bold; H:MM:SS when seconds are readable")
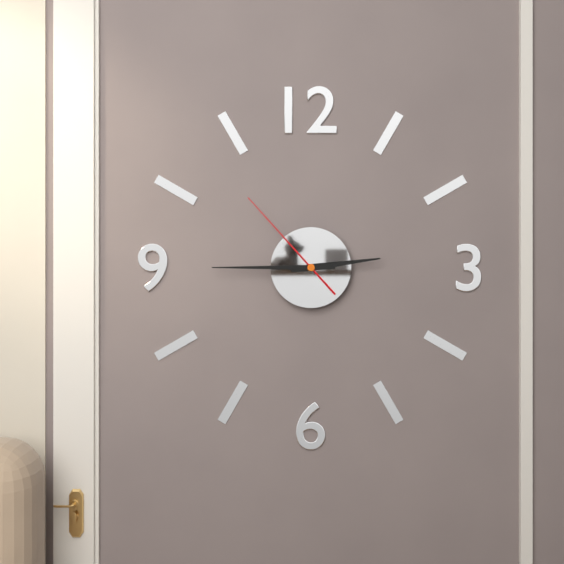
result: **2:45:53**
